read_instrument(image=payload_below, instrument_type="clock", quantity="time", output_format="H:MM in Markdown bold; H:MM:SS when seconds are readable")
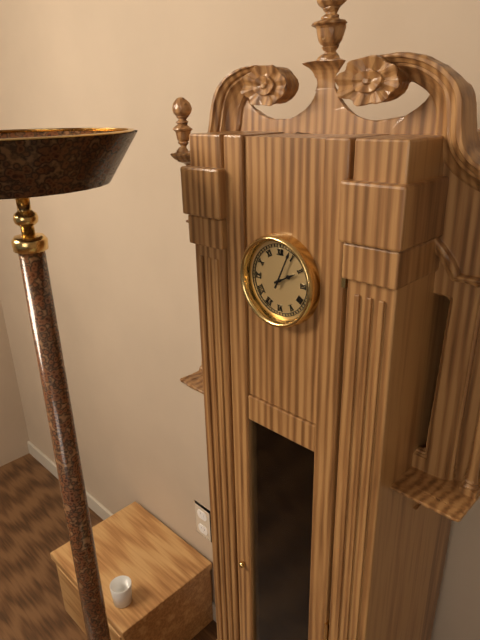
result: **2:04**
